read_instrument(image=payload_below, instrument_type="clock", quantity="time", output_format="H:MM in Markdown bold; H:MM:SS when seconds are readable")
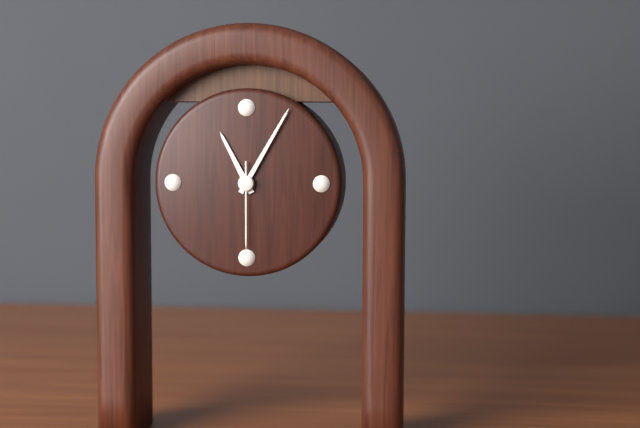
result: **11:05:30**
